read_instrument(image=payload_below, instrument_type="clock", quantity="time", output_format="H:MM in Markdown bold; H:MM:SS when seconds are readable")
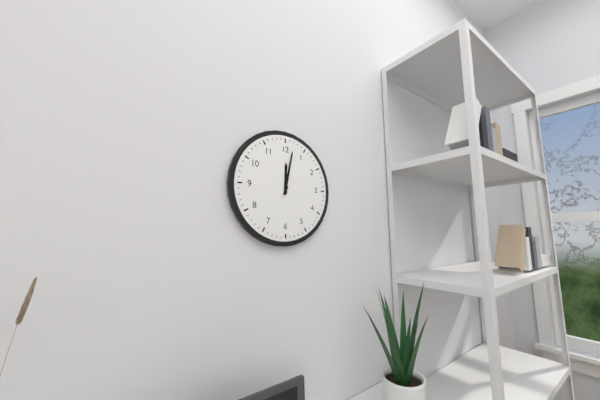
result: **12:02**
